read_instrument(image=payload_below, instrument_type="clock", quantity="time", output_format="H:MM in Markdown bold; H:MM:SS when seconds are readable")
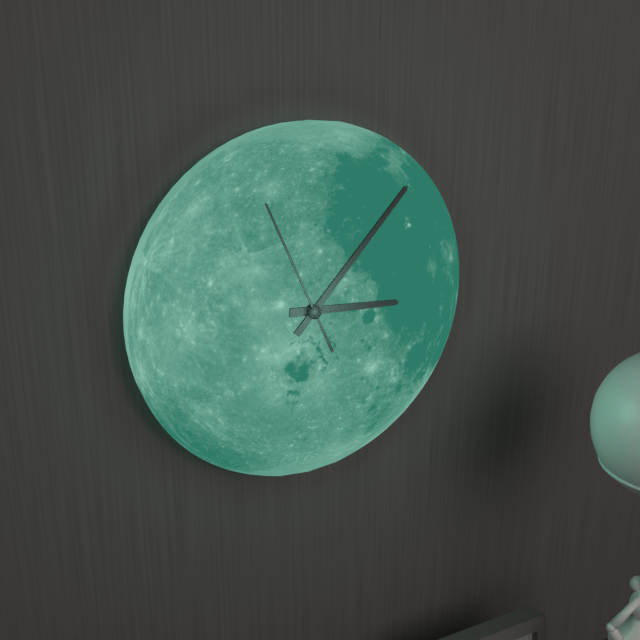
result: **3:07:56**
